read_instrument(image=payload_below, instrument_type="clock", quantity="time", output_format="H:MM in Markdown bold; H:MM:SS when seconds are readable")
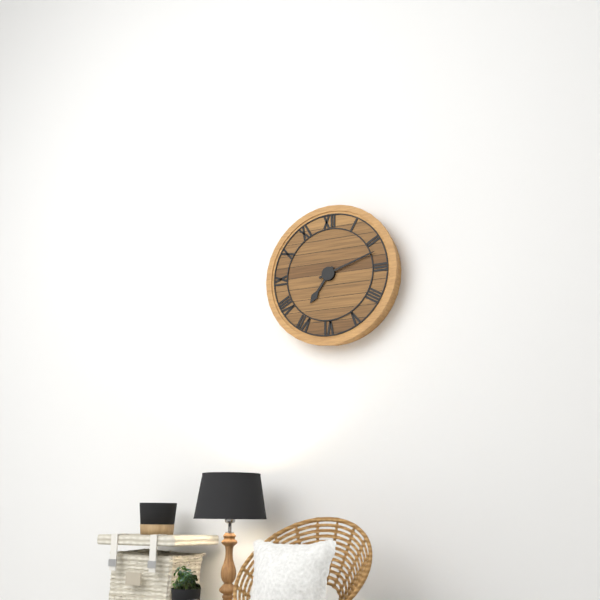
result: **7:12**
